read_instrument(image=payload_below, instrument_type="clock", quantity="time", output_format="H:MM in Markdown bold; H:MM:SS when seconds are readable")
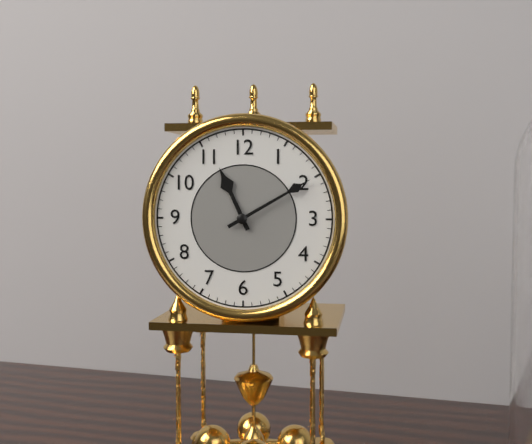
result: **11:10**
